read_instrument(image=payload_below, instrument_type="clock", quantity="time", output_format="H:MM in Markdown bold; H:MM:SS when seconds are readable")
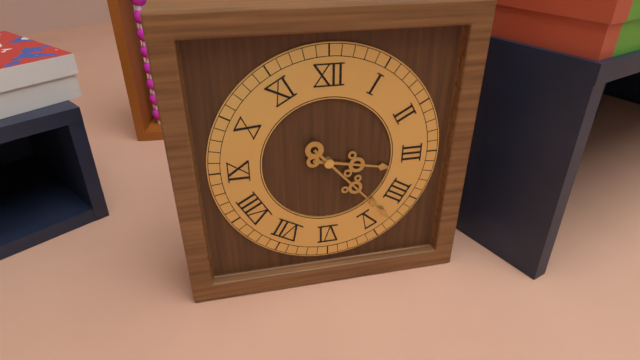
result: **3:23**
